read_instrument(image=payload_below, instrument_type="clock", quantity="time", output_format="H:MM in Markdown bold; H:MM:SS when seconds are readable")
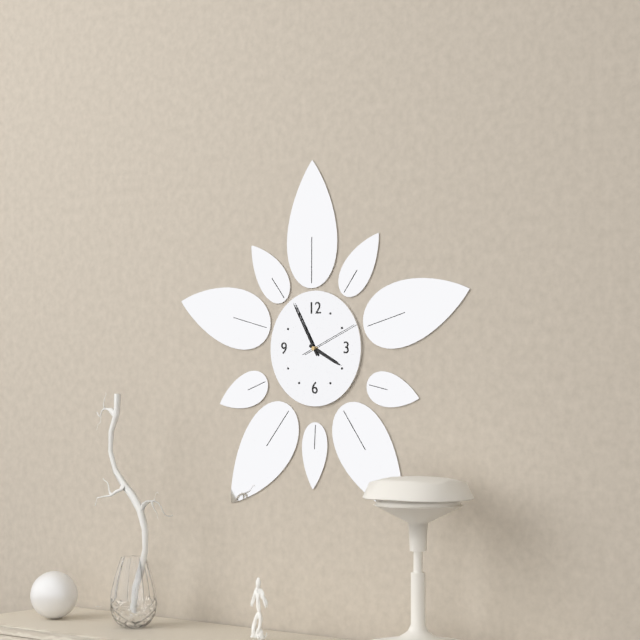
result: **3:55:11**
